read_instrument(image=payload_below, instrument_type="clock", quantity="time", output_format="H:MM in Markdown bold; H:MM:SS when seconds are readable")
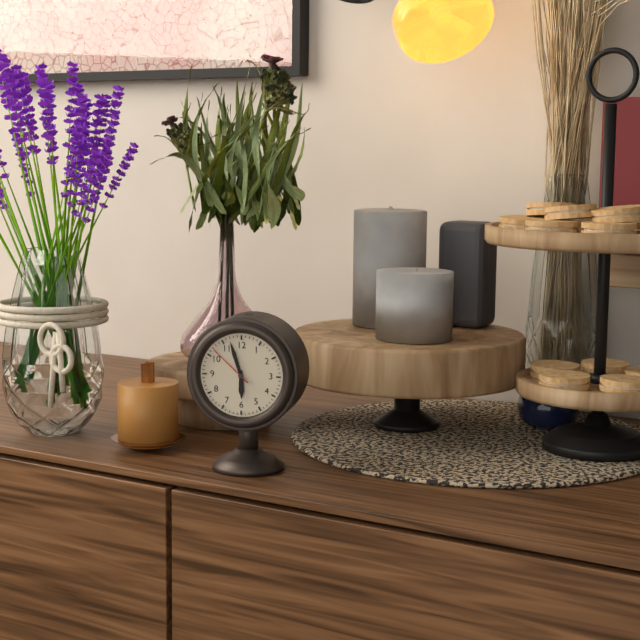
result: **5:57**
